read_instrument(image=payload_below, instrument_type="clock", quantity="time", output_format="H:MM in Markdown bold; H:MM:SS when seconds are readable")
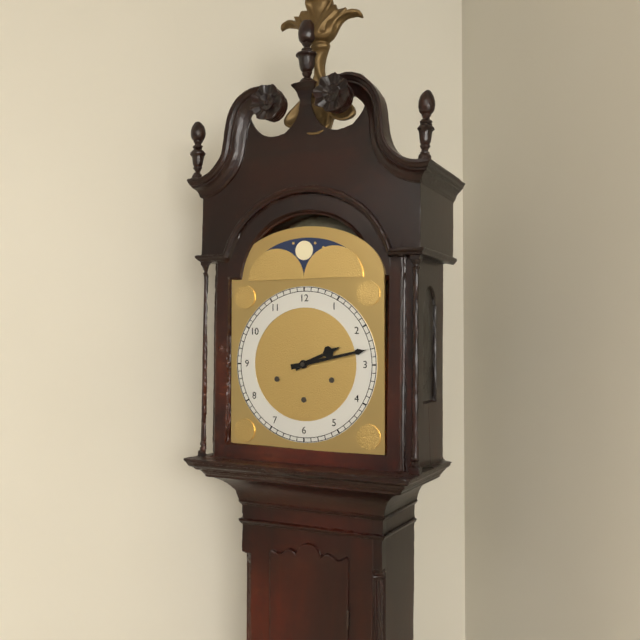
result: **2:13**
